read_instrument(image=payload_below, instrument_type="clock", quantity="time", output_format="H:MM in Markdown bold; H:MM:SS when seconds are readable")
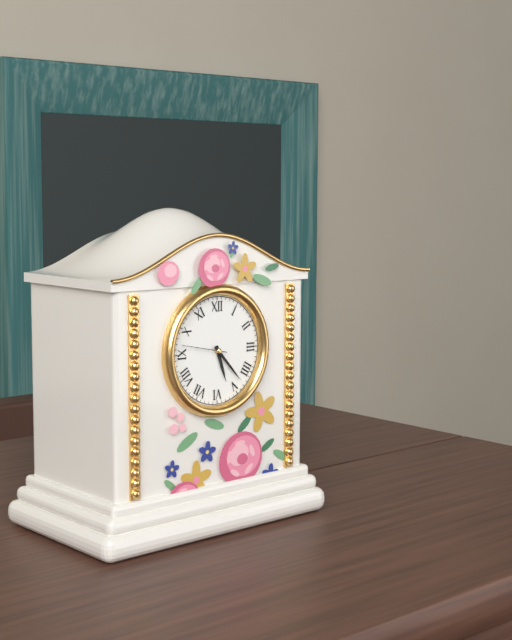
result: **5:23**
